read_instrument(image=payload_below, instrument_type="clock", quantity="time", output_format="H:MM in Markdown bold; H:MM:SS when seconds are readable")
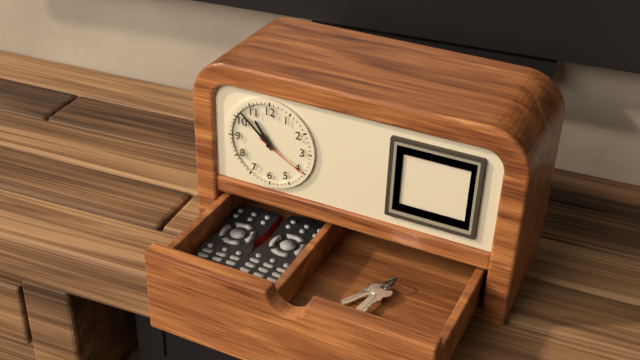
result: **10:52:20**
